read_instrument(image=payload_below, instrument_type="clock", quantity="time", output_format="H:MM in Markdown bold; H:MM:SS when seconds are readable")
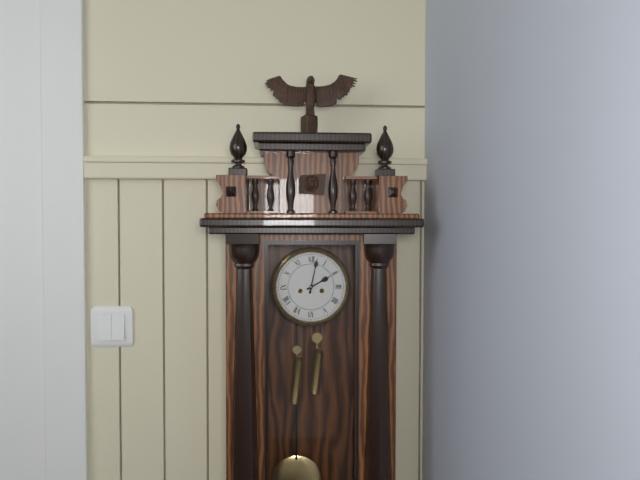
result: **2:02**
